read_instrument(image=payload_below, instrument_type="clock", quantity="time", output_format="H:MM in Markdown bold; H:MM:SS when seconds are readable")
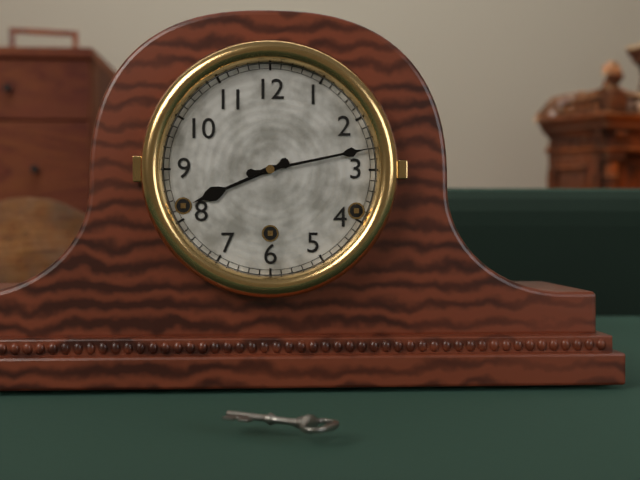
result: **8:13**
